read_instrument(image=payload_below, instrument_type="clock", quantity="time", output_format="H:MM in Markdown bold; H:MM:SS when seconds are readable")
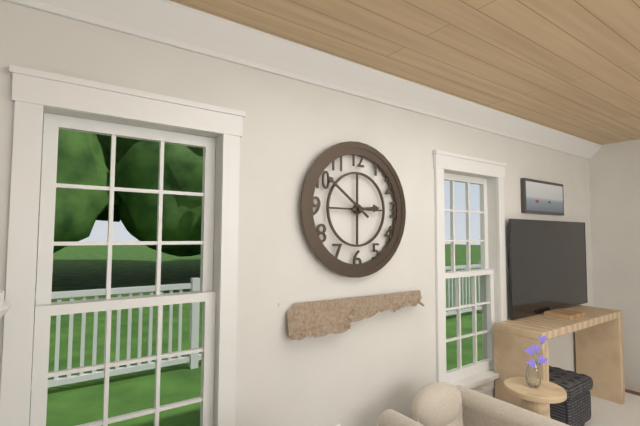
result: **2:51**
